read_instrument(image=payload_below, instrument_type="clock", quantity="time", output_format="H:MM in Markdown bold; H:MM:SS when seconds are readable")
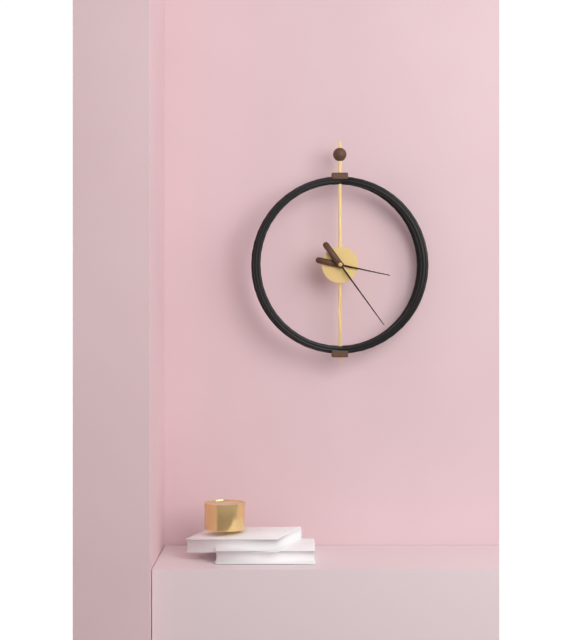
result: **3:24**
